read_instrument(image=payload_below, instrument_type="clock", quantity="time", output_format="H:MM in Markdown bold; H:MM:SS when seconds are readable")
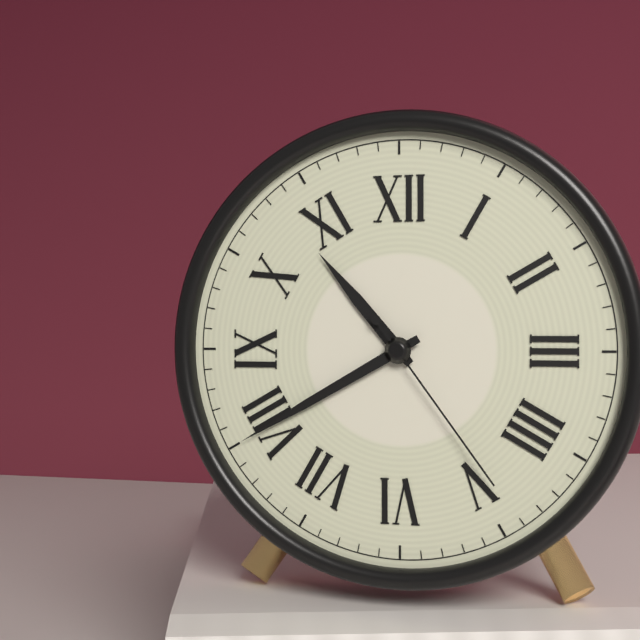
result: **10:40:24**
